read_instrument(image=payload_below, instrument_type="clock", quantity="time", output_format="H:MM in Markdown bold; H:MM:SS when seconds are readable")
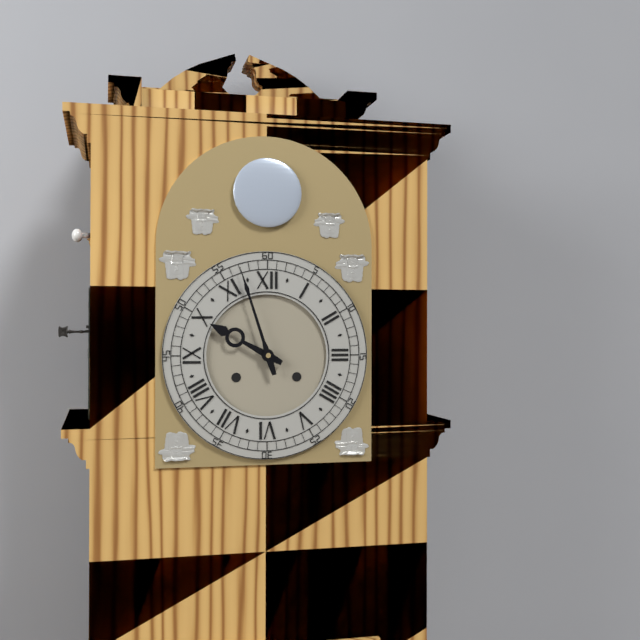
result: **9:57**
